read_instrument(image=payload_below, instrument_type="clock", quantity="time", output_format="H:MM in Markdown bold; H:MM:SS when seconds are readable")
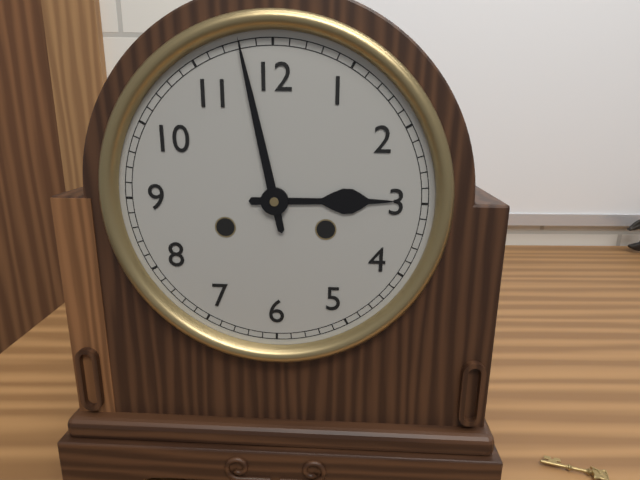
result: **2:58**
